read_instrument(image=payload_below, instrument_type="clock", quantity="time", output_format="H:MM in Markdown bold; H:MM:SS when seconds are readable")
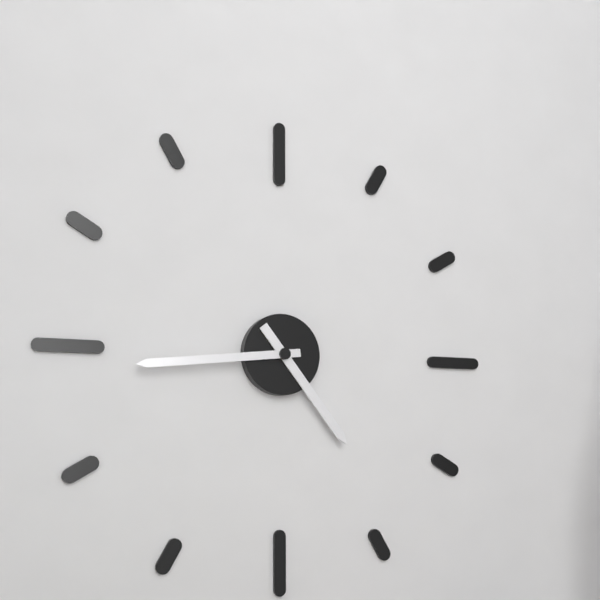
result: **4:44**
